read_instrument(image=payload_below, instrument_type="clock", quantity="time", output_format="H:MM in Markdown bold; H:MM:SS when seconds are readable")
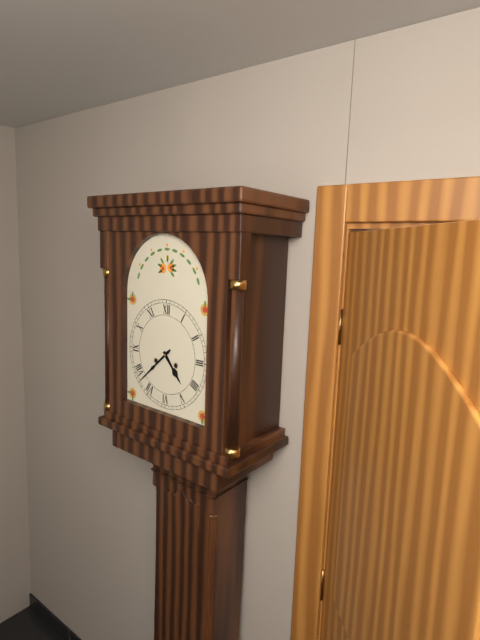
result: **4:38**
